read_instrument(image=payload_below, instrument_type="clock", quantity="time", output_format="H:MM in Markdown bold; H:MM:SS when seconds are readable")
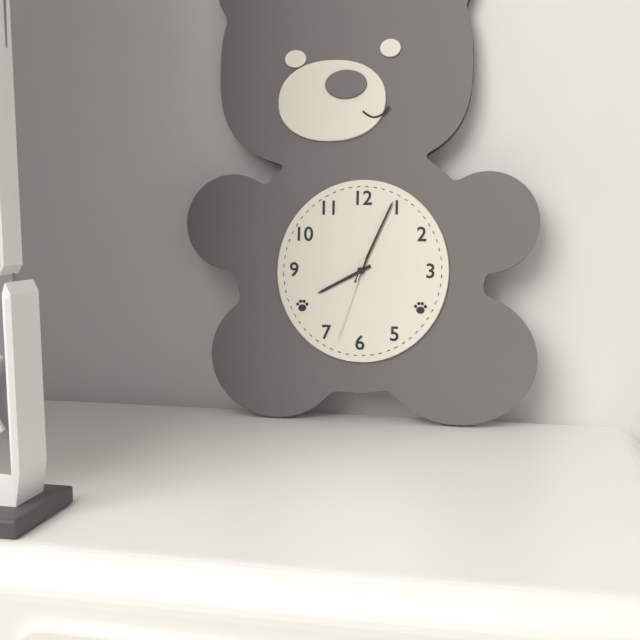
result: **8:04:33**
